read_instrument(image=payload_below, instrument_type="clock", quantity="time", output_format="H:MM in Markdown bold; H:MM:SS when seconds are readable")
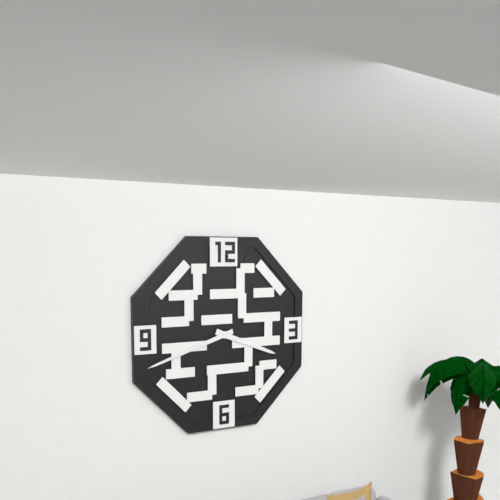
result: **3:42**
